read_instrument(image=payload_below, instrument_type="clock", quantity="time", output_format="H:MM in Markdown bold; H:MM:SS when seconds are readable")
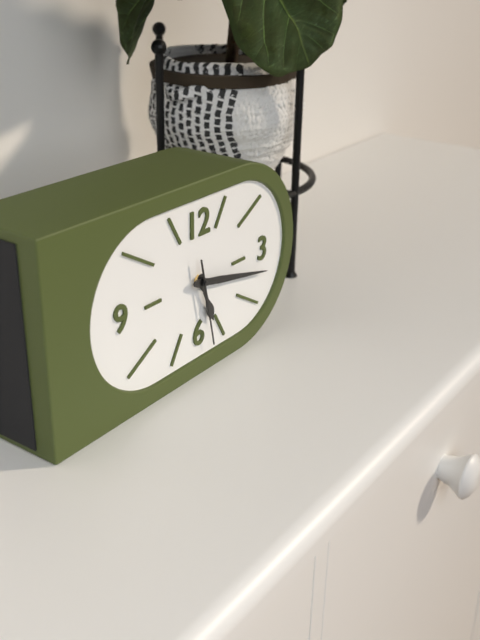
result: **5:17:28**
